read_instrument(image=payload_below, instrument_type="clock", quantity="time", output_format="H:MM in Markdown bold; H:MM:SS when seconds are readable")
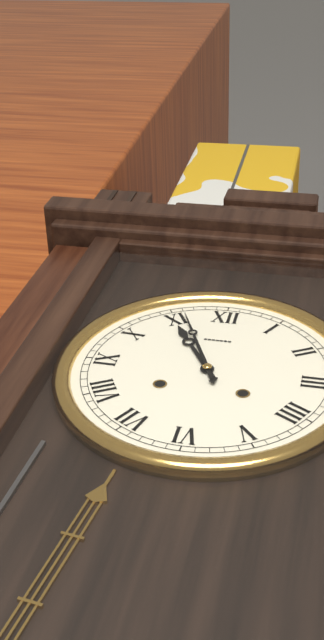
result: **10:56**
